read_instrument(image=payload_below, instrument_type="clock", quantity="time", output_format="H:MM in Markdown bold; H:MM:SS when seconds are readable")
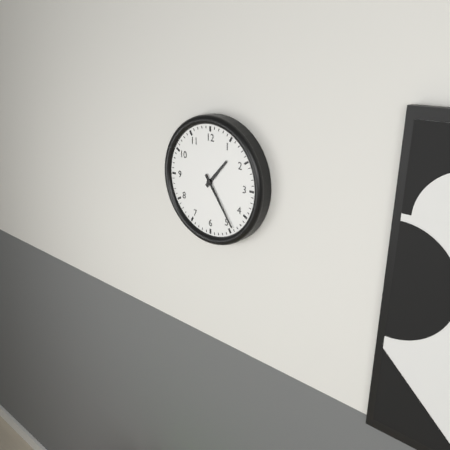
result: **1:24**
